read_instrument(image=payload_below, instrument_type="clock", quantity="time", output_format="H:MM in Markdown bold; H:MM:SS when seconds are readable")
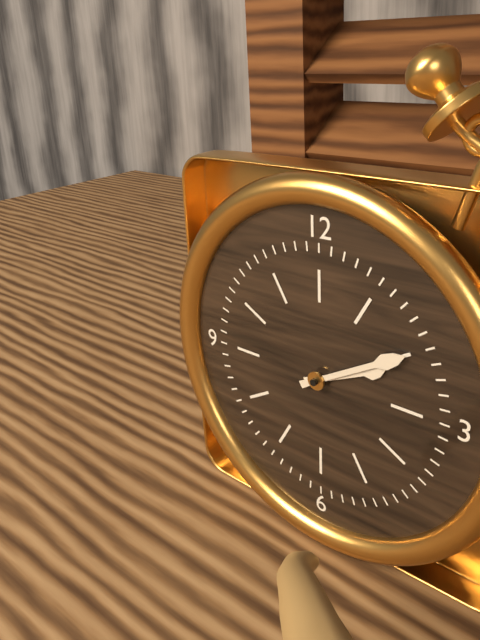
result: **2:10**
